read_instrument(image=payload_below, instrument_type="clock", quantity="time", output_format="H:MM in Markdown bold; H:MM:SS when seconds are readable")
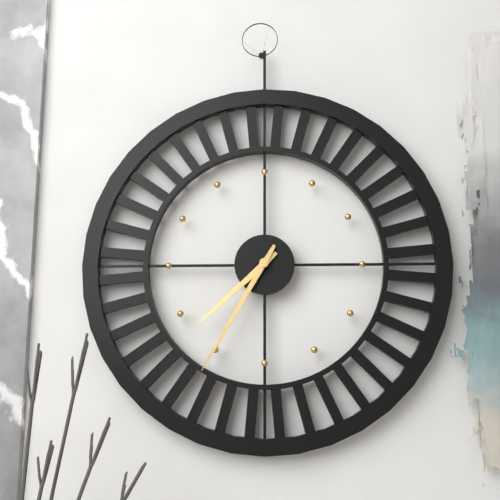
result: **7:35**
